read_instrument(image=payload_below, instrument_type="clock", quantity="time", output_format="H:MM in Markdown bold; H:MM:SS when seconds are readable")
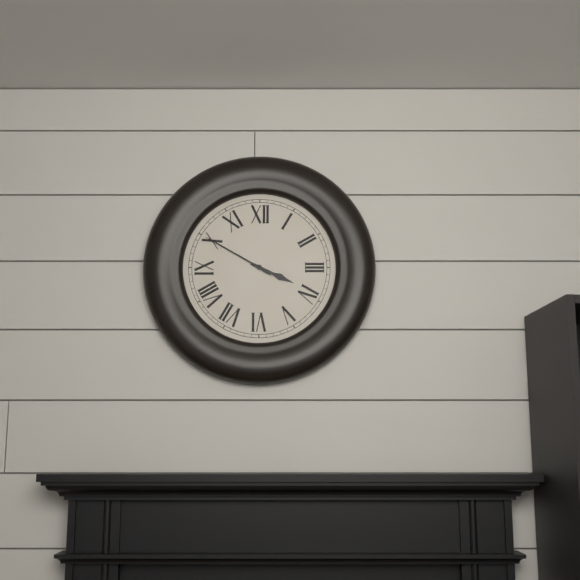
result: **3:50**
